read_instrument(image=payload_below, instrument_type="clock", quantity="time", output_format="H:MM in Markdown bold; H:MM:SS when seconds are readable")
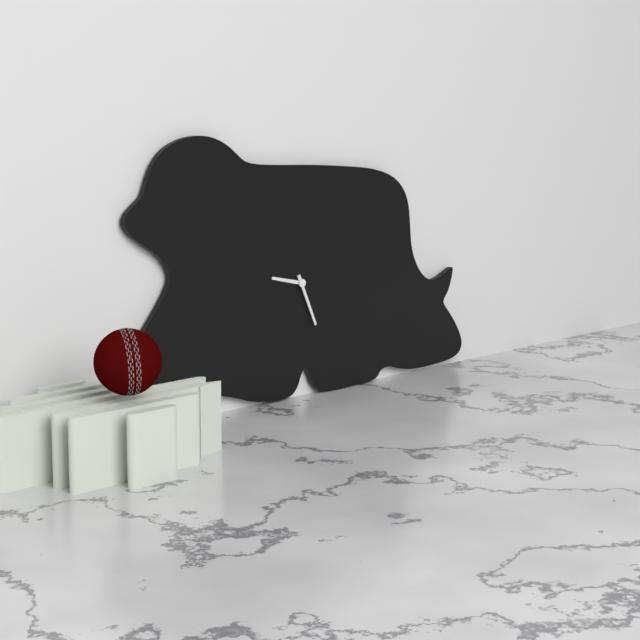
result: **9:26**
